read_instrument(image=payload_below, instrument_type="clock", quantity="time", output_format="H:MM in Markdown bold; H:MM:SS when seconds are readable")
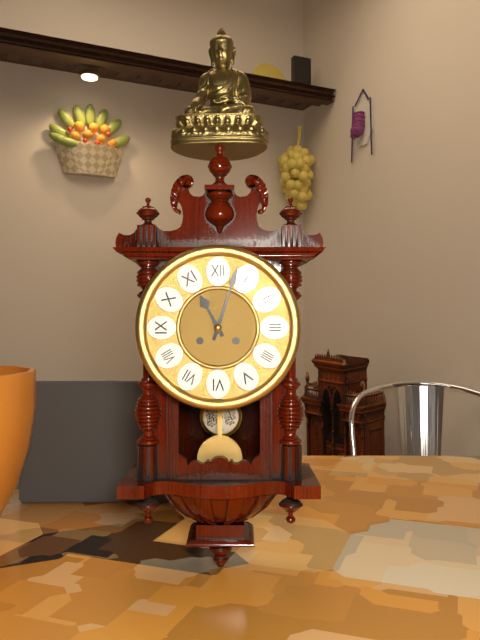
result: **11:03**
